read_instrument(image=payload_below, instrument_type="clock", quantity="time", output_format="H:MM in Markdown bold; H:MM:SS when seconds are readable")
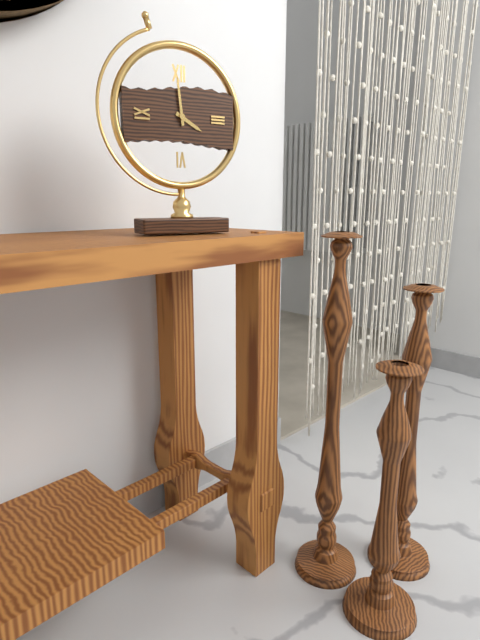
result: **3:59**
